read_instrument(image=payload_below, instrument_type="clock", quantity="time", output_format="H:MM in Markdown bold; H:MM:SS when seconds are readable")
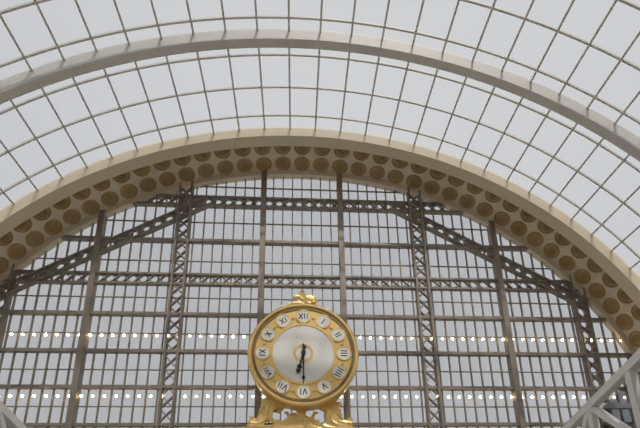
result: **6:30**
